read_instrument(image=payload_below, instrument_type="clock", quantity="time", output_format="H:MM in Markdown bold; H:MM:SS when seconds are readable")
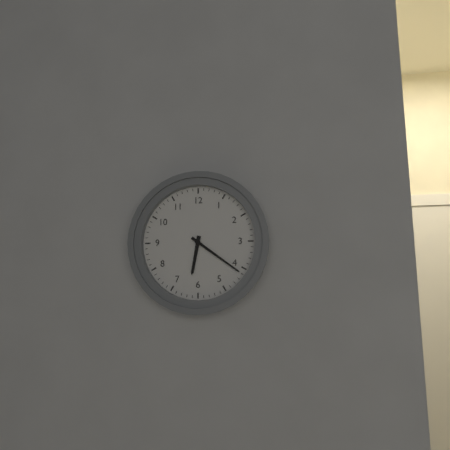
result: **6:21**
